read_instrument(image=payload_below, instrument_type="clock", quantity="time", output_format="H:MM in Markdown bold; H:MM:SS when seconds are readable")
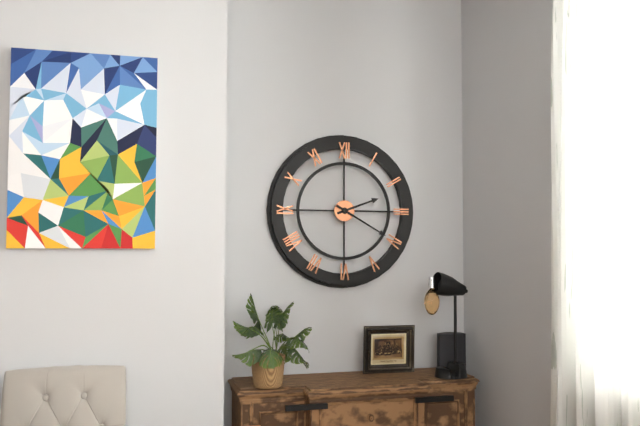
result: **2:20**
